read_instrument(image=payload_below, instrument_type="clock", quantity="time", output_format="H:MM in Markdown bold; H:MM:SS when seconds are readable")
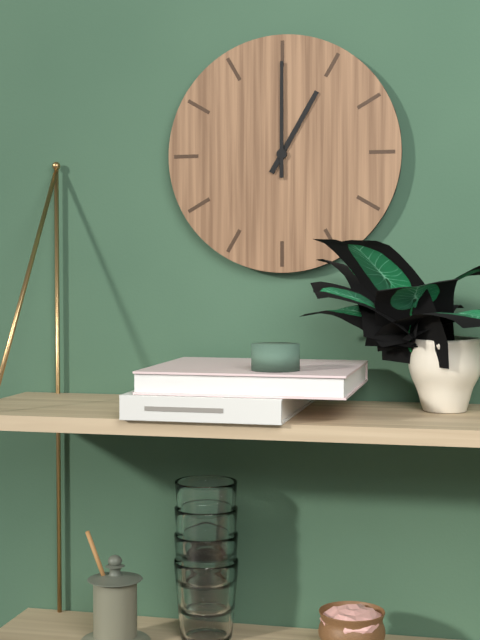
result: **1:00**
